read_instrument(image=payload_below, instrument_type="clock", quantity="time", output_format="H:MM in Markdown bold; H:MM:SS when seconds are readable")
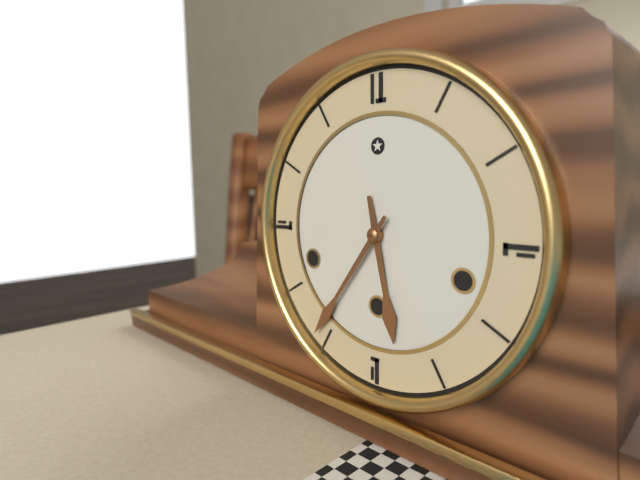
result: **5:36**
